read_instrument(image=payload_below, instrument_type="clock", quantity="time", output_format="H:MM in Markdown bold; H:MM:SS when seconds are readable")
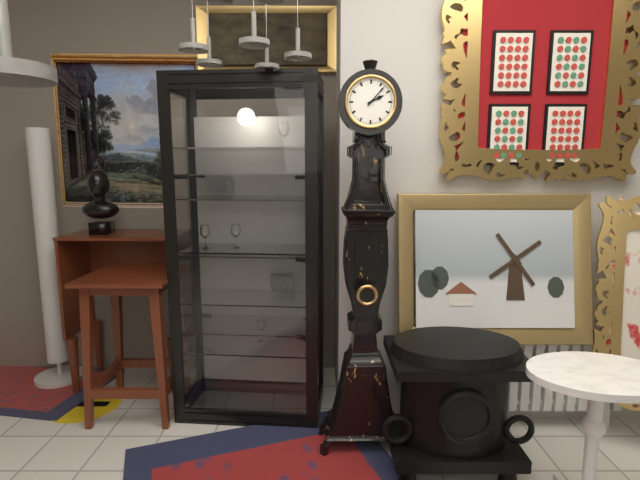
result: **2:07**
